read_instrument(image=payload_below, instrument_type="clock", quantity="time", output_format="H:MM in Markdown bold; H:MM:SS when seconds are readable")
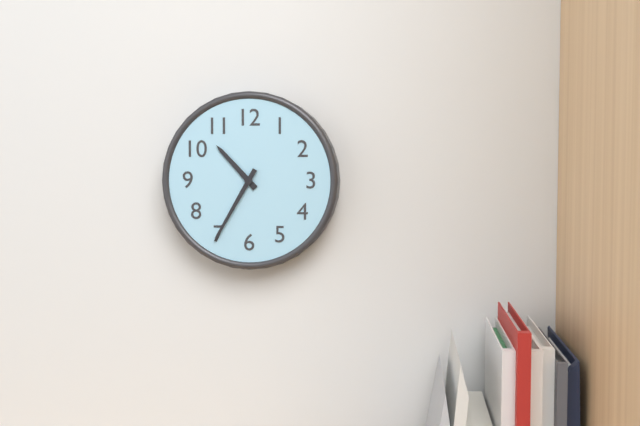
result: **10:35**
